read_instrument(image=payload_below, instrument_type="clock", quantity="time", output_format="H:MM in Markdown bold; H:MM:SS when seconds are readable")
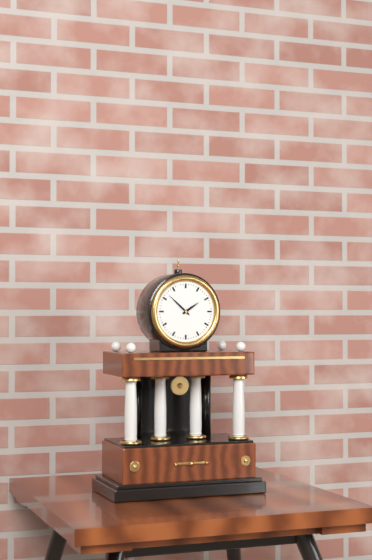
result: **1:52**
